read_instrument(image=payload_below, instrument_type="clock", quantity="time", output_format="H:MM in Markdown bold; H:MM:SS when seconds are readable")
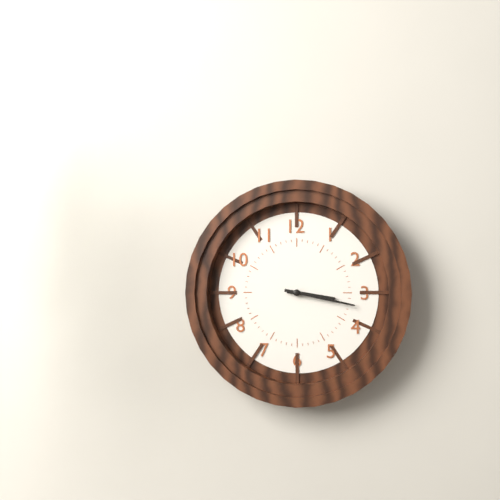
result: **3:17**
